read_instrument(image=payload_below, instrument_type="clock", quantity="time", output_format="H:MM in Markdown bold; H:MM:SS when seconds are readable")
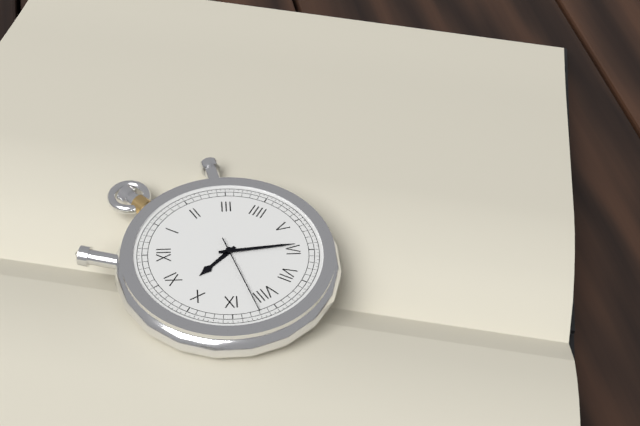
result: **10:29:42**
